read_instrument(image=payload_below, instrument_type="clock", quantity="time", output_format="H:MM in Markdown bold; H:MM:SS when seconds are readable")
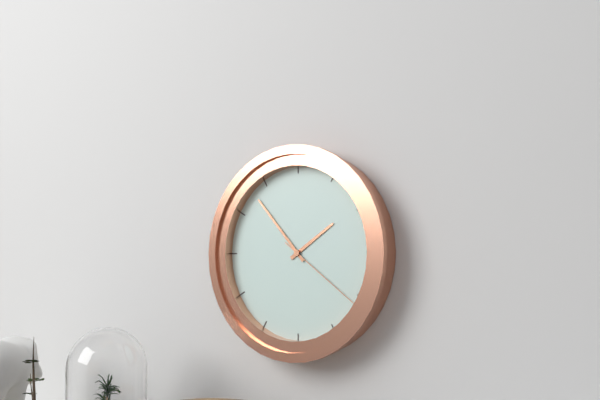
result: **1:53:21**
